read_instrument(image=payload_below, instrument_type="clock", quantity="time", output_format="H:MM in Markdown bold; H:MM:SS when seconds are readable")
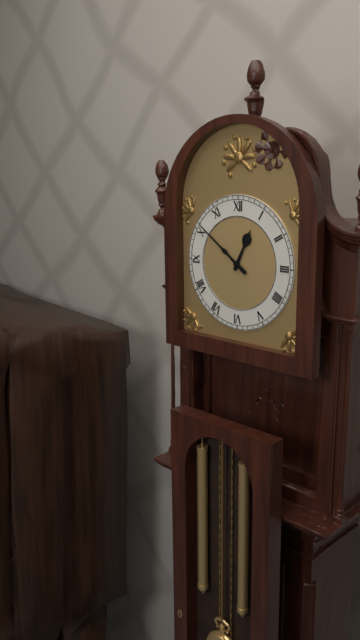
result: **12:51**
